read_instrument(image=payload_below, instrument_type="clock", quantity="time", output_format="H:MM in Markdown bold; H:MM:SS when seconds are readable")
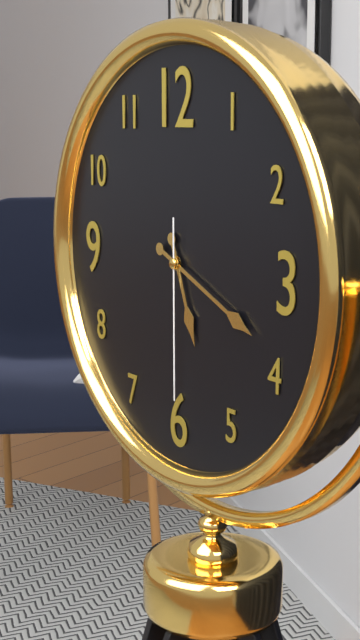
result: **5:19:30**
